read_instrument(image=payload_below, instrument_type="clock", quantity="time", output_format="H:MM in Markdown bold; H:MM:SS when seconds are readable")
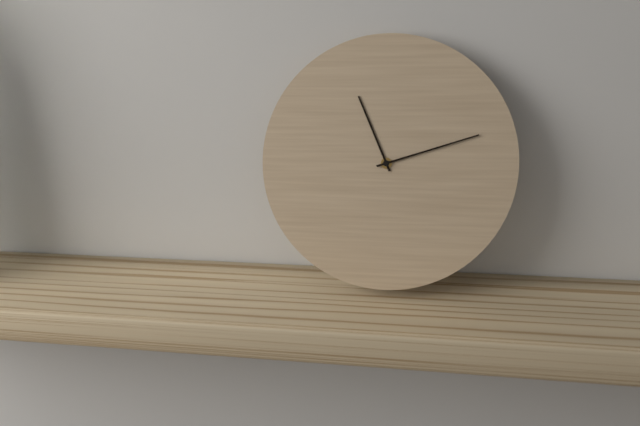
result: **11:12**
